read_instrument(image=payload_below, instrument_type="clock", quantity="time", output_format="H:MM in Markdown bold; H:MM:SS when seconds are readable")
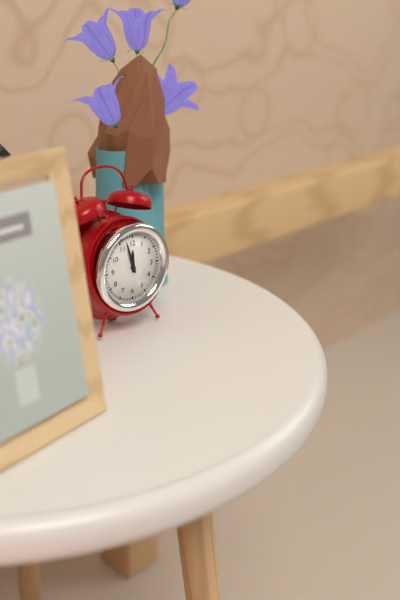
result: **11:57**
